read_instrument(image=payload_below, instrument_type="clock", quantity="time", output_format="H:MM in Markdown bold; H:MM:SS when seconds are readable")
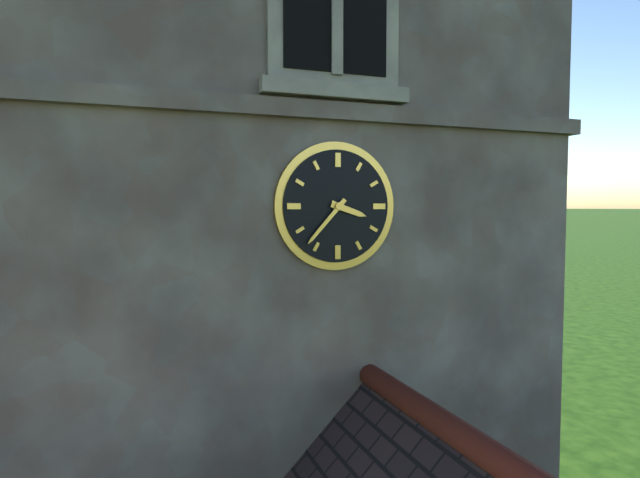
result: **3:37**
